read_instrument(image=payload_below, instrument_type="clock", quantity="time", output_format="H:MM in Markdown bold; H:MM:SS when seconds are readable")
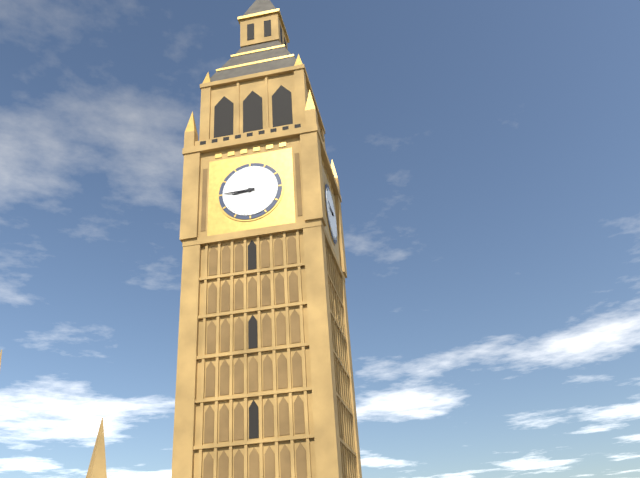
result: **8:45**
